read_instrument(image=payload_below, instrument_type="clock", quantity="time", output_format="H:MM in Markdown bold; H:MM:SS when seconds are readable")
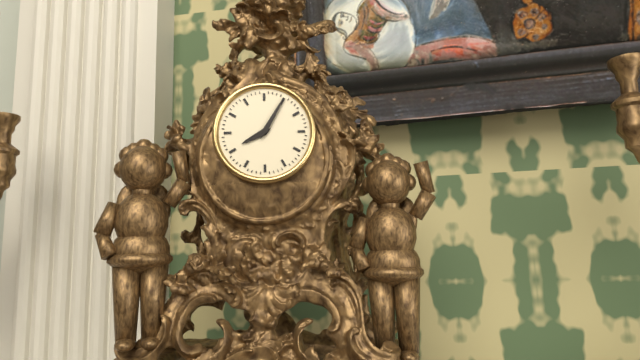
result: **8:05**
